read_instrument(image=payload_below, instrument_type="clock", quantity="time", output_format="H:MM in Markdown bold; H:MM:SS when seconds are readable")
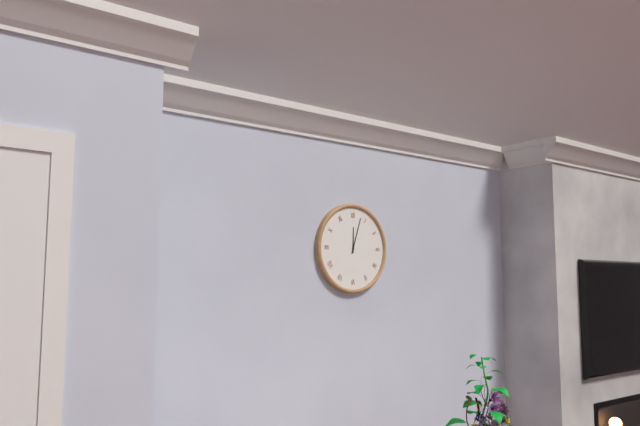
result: **12:03**
